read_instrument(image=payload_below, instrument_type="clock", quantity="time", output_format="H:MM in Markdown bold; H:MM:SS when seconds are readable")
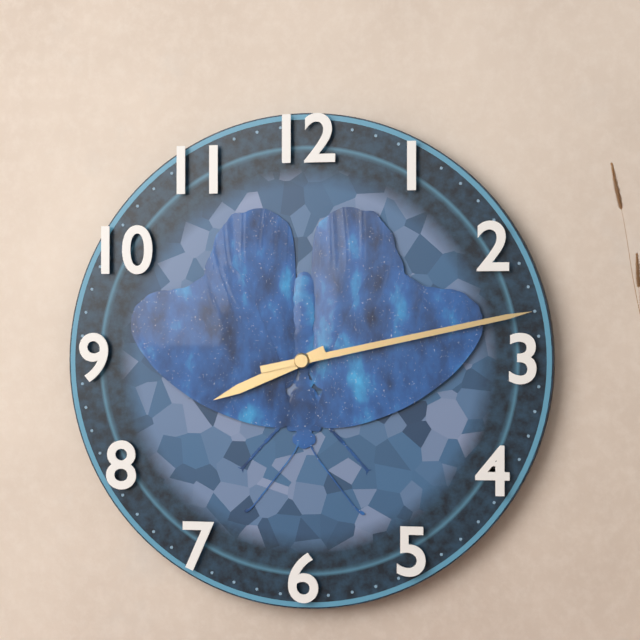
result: **8:13**
